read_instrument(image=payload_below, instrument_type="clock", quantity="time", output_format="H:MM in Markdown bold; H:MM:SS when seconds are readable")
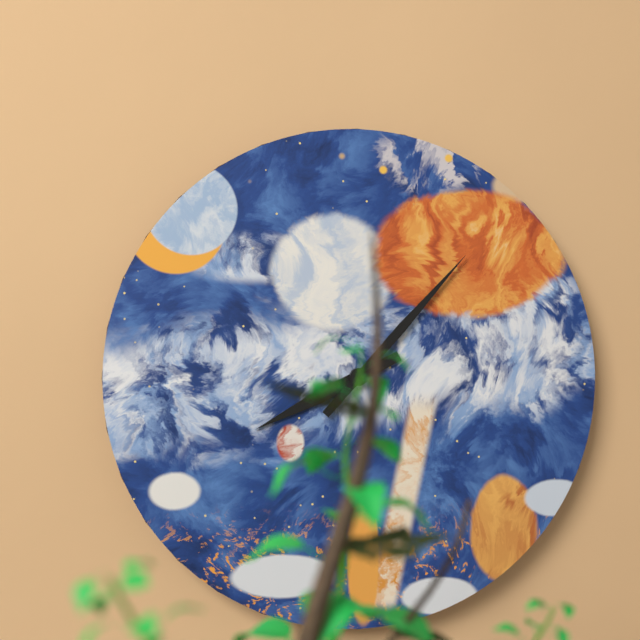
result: **8:07**
